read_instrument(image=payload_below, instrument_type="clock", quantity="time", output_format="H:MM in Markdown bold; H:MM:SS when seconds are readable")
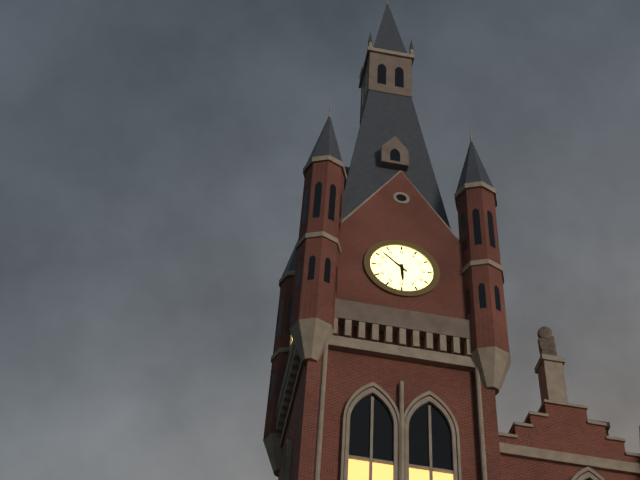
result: **5:52**
